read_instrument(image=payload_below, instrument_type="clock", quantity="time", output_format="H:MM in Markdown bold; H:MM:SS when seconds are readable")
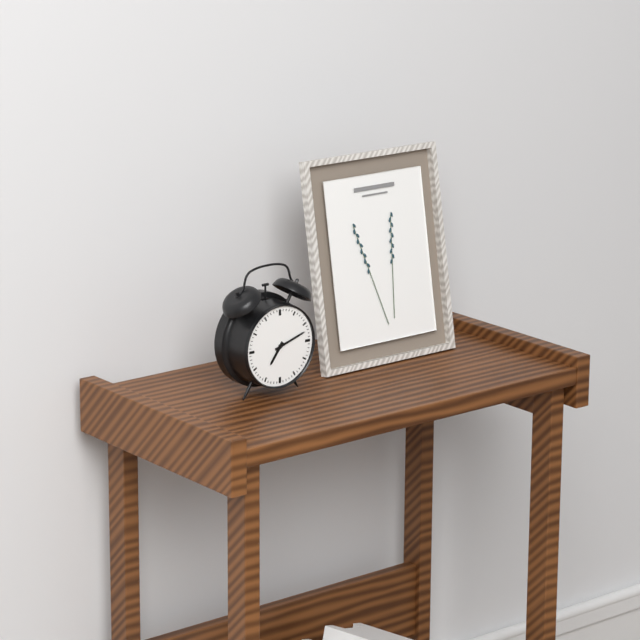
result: **7:12**
